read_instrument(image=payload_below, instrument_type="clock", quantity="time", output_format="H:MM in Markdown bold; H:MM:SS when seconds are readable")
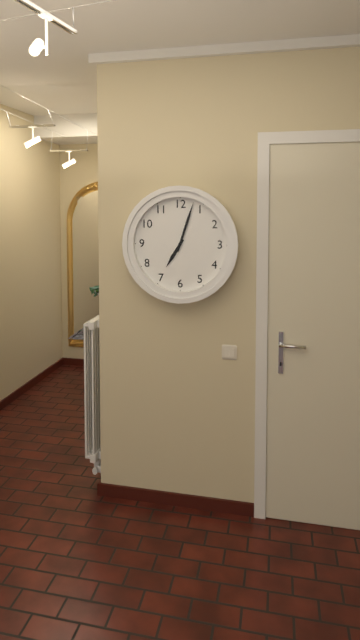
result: **7:03**
